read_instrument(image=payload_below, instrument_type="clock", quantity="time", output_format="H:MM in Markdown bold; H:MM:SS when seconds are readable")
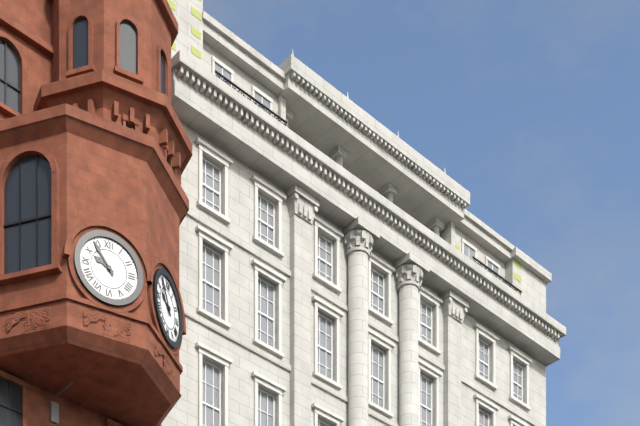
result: **9:54**
